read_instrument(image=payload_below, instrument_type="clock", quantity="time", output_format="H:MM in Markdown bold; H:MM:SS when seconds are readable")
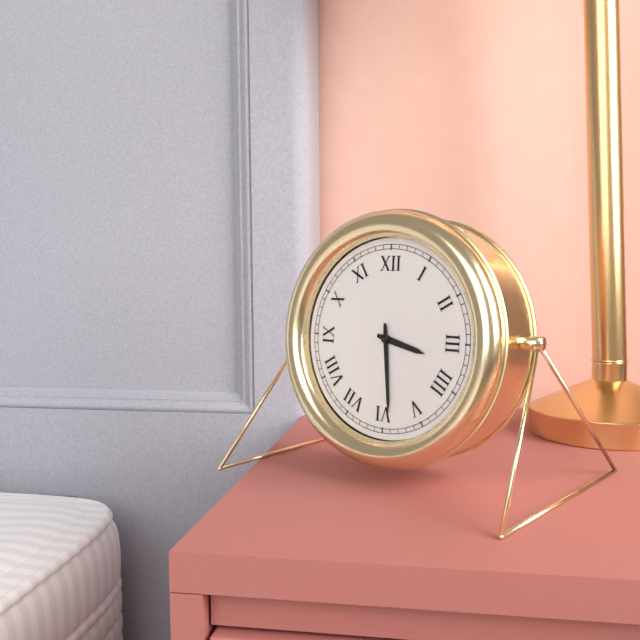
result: **3:29**
